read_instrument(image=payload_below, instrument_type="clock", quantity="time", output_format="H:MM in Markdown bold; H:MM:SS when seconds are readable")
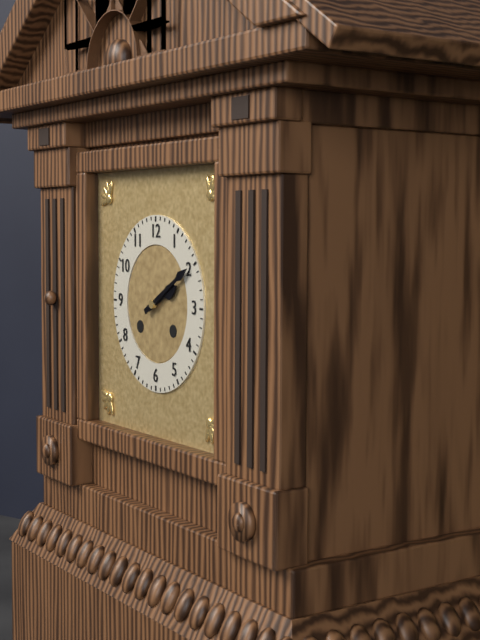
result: **2:10**
